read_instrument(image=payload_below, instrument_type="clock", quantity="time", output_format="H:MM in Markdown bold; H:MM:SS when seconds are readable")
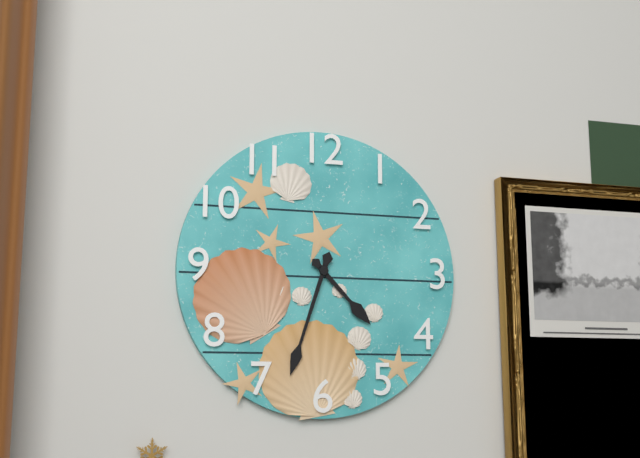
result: **4:33**
